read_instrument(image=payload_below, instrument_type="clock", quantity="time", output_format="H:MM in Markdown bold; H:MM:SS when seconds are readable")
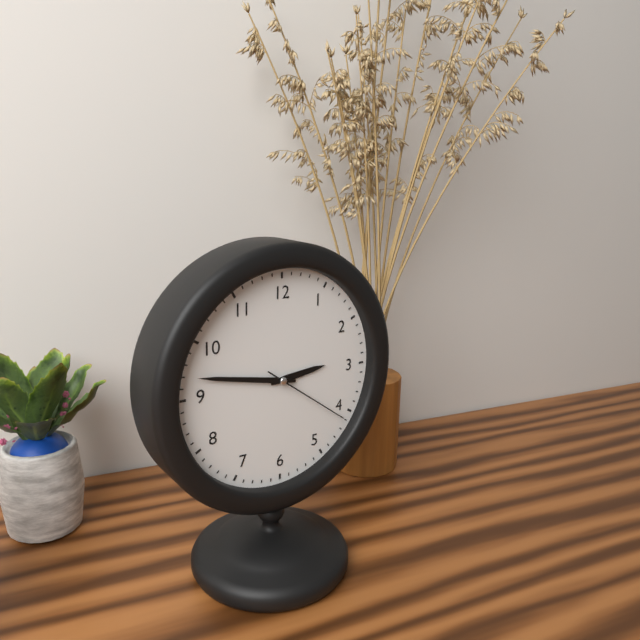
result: **2:47:21**
